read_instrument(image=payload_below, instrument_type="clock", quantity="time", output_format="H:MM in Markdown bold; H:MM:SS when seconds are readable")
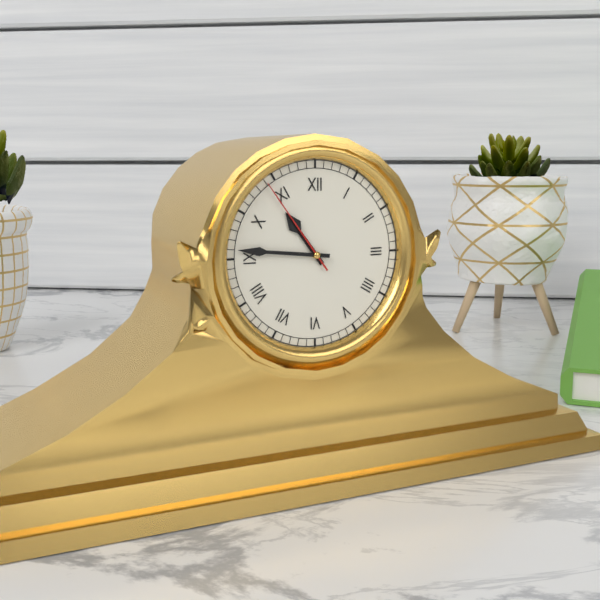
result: **10:46:54**
